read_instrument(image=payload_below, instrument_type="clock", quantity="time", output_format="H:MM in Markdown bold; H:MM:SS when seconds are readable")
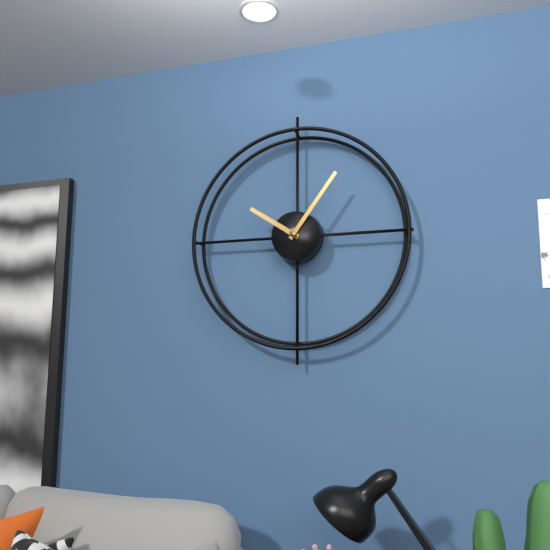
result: **10:06**
